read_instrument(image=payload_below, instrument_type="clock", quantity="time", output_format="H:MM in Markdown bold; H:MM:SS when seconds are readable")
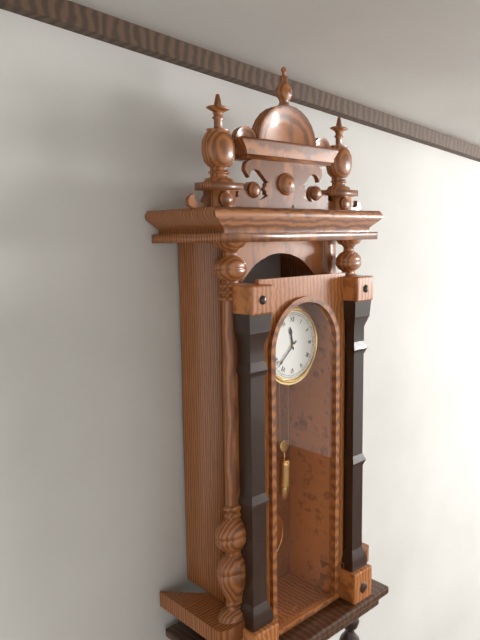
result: **11:38**
